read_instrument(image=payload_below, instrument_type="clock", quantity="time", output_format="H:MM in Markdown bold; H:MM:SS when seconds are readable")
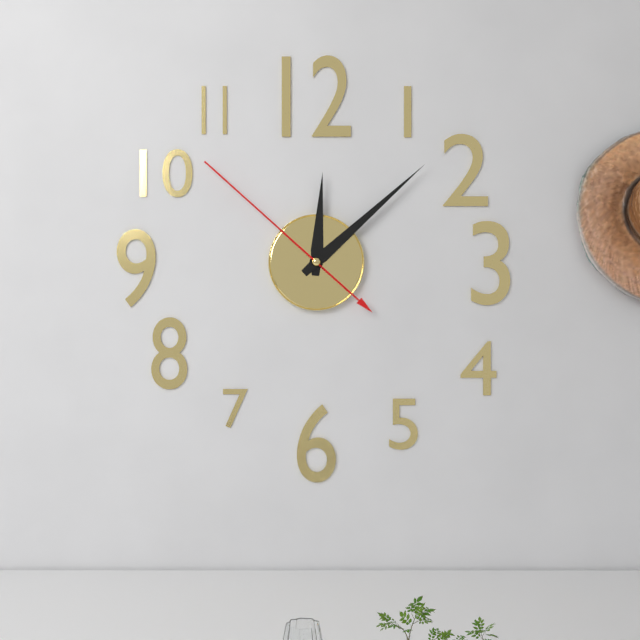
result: **12:08:52**
